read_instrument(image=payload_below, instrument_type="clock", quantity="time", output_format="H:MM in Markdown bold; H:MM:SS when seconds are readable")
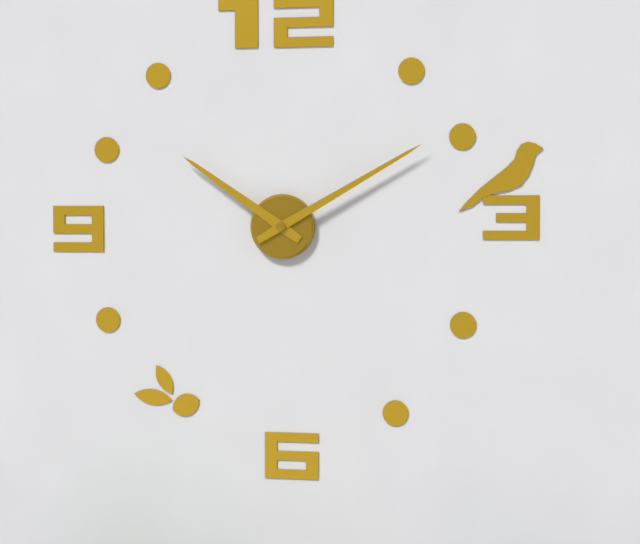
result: **10:10**
